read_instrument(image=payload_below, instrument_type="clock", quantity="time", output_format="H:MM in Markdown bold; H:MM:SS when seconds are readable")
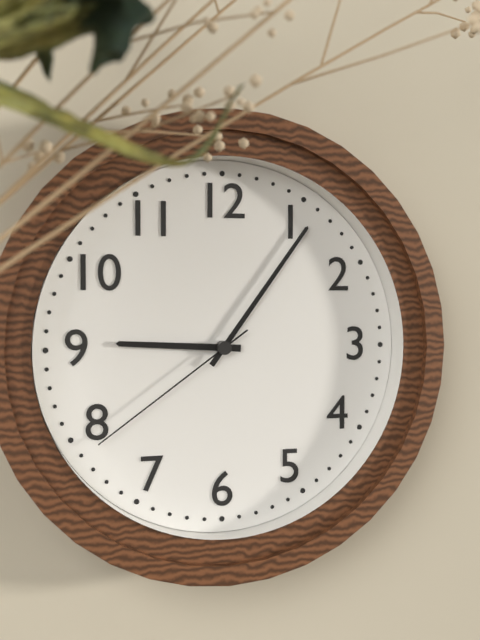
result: **9:06:39**
